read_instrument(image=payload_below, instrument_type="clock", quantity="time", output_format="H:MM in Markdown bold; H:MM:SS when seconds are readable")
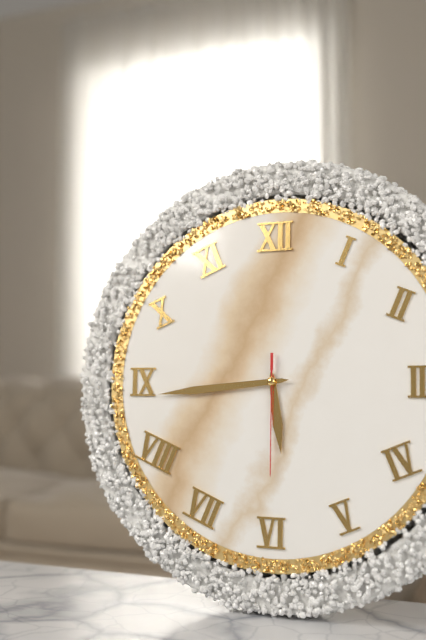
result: **5:44:30**
